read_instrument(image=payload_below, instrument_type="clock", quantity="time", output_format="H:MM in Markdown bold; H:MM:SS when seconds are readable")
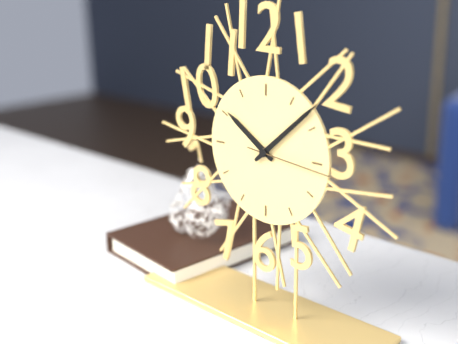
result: **10:08:16**
